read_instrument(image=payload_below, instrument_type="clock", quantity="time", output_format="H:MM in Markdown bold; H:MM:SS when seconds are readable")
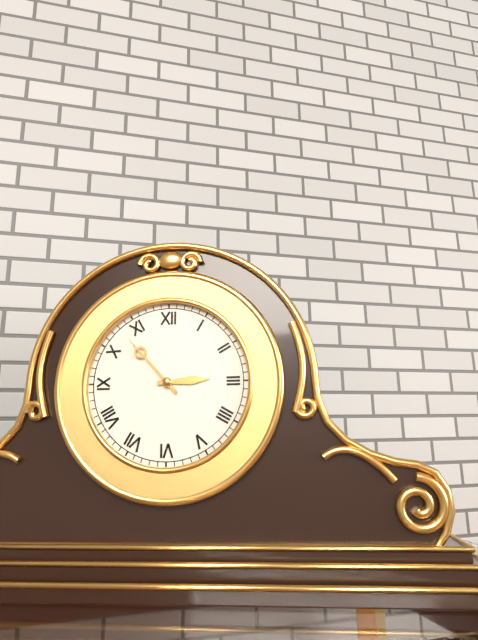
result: **2:53**
